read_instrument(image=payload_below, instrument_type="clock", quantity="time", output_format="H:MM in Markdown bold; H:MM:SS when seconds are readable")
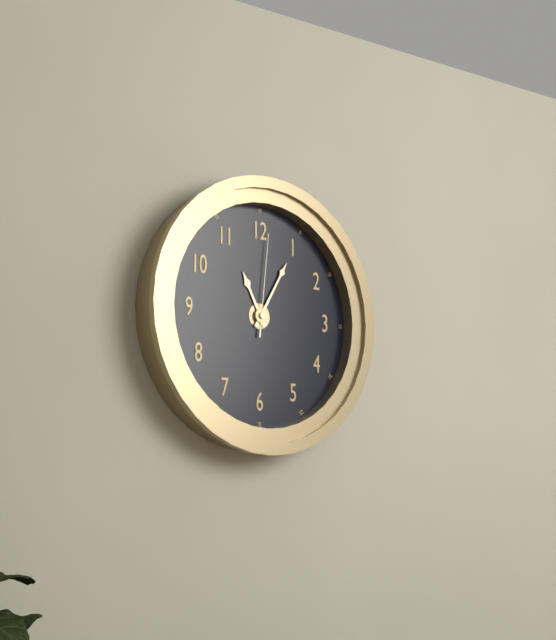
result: **11:05:01**
